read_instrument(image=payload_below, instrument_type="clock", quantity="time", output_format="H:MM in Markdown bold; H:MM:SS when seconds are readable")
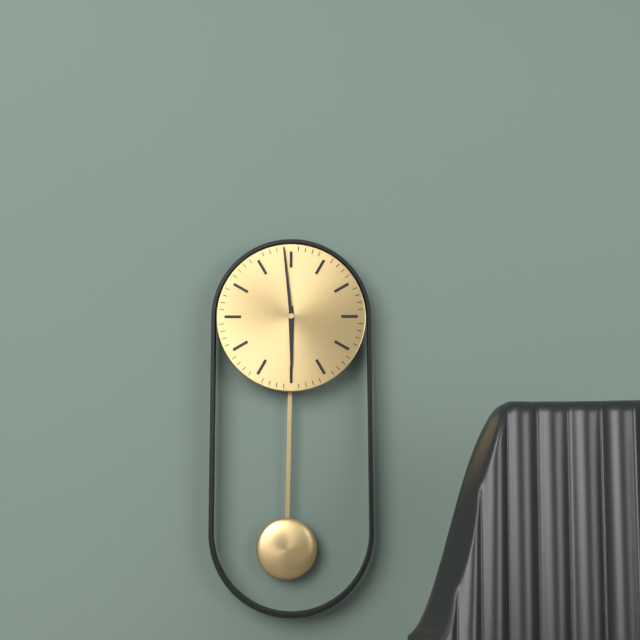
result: **5:59**
